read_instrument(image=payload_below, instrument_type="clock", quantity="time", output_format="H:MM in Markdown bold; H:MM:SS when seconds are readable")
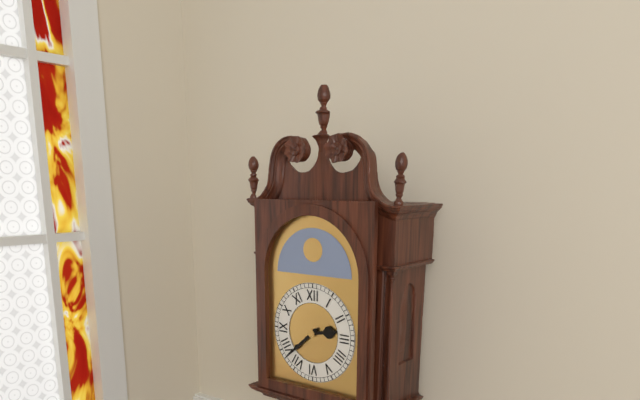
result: **2:38**
